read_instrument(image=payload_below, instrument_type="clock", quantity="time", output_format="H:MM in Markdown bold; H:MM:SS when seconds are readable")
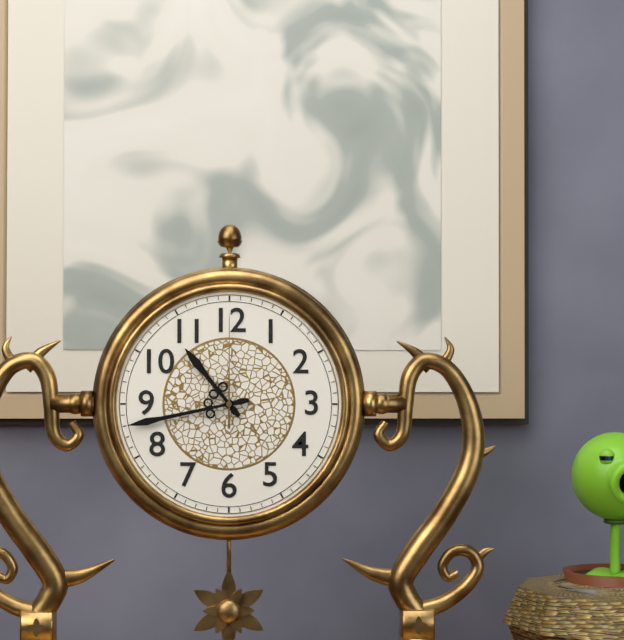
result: **10:43:00**
